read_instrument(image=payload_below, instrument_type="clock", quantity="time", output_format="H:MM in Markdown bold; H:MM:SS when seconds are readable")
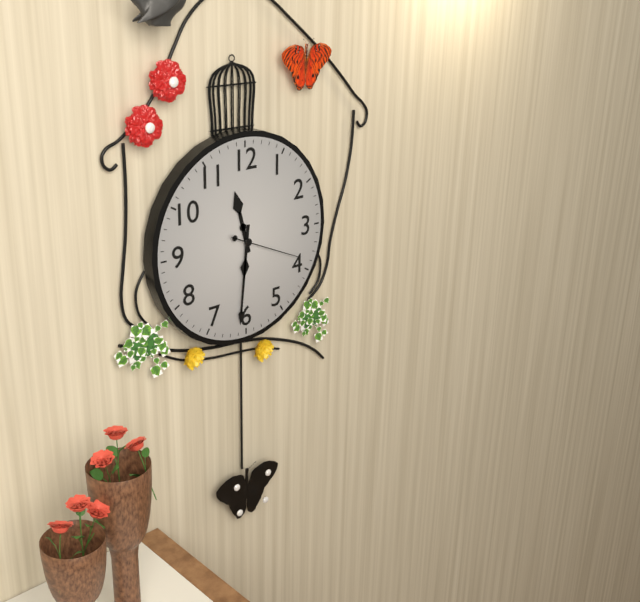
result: **11:31:19**
